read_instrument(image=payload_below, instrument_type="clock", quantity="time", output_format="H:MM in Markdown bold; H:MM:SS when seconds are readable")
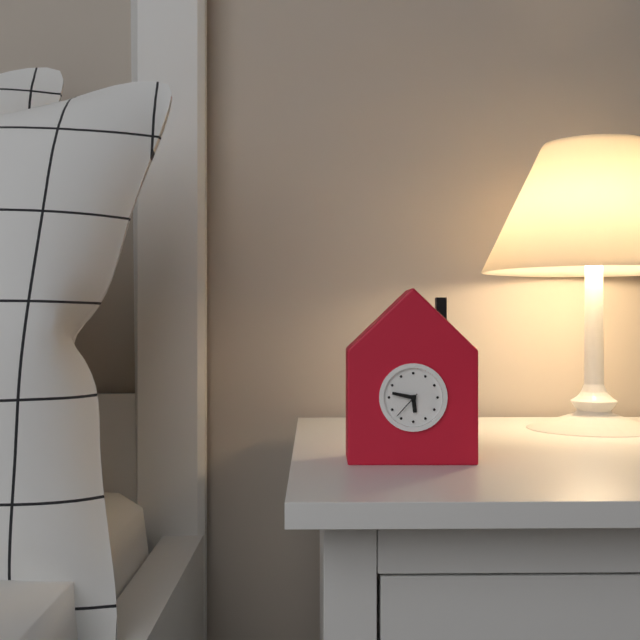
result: **5:47**
